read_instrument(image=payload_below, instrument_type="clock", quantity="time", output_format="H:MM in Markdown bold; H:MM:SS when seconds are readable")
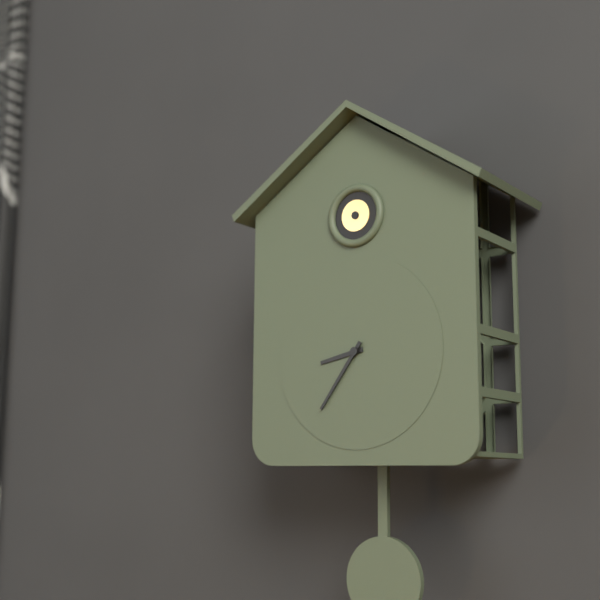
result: **8:36**
